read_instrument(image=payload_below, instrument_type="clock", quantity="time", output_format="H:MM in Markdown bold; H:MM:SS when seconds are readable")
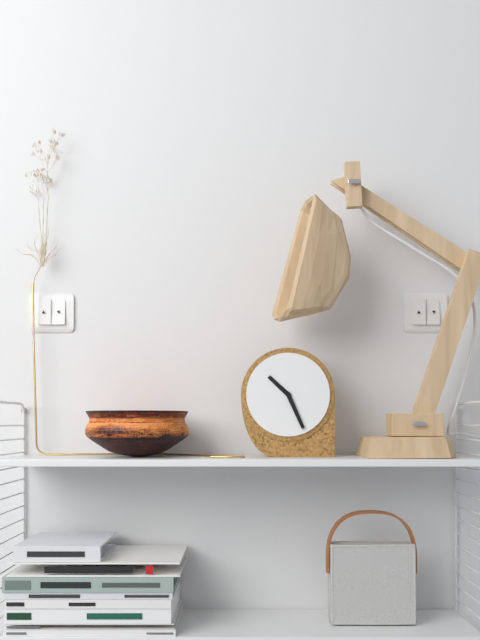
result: **10:26**
